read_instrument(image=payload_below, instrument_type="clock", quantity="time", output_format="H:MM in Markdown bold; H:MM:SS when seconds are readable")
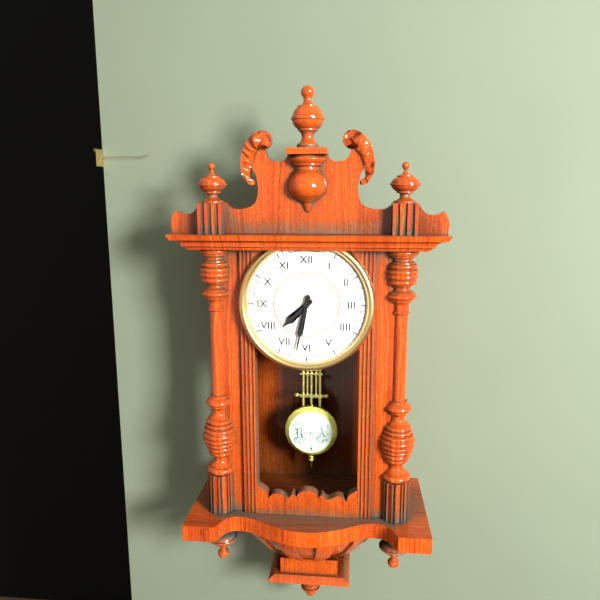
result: **7:32**
